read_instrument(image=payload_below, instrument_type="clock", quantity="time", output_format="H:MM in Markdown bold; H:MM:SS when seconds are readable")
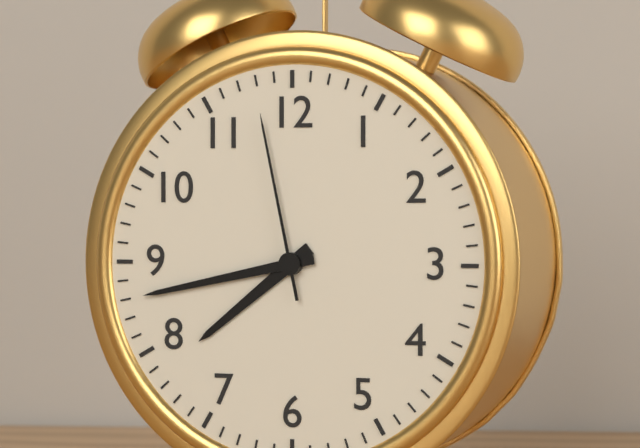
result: **7:43:58**
